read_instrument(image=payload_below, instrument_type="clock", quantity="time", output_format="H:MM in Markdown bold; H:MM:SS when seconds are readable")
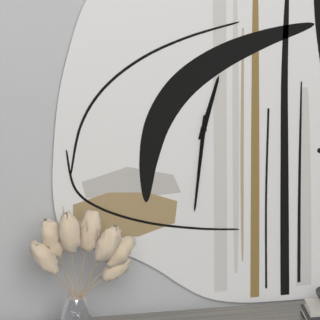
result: **12:31**
